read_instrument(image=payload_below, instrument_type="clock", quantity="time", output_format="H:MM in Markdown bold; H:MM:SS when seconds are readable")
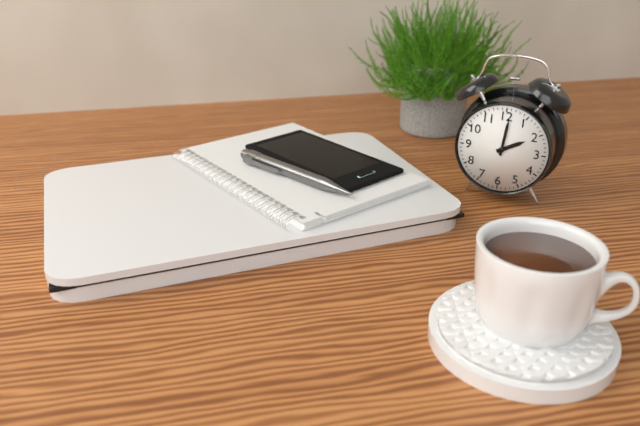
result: **2:01**
